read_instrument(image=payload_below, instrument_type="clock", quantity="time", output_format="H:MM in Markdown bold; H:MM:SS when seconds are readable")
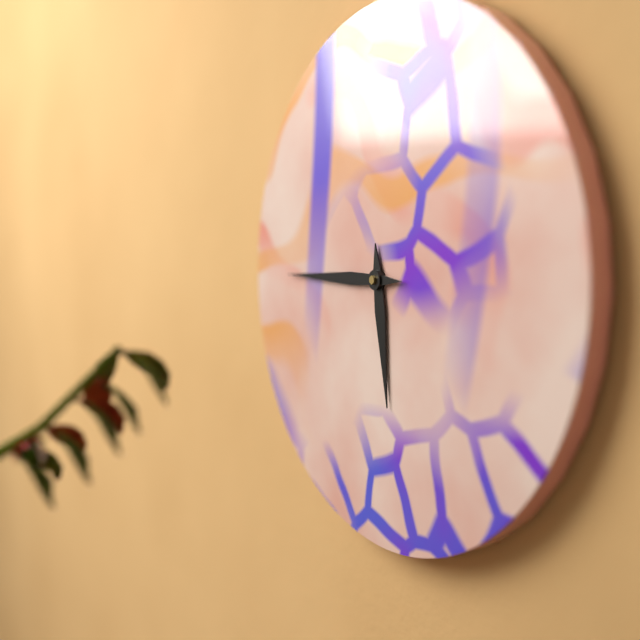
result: **5:45**
